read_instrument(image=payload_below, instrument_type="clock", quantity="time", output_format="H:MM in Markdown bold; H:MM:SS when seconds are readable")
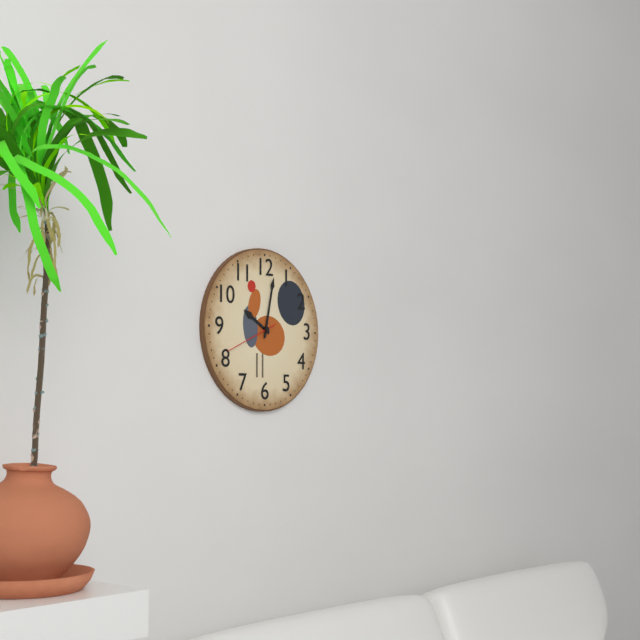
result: **10:02:41**
